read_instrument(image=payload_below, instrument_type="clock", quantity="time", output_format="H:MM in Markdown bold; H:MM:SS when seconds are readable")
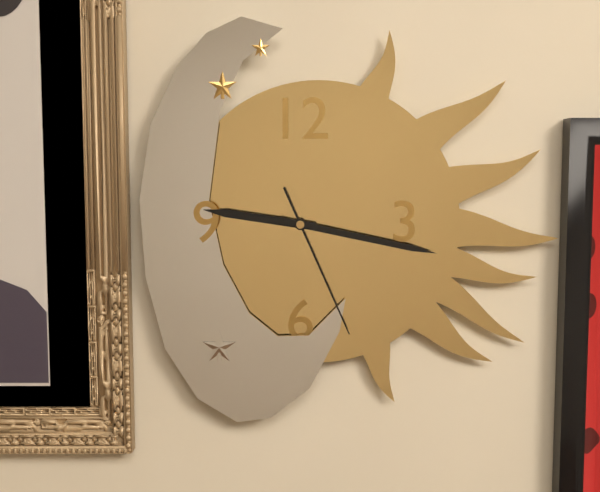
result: **9:17:26**
